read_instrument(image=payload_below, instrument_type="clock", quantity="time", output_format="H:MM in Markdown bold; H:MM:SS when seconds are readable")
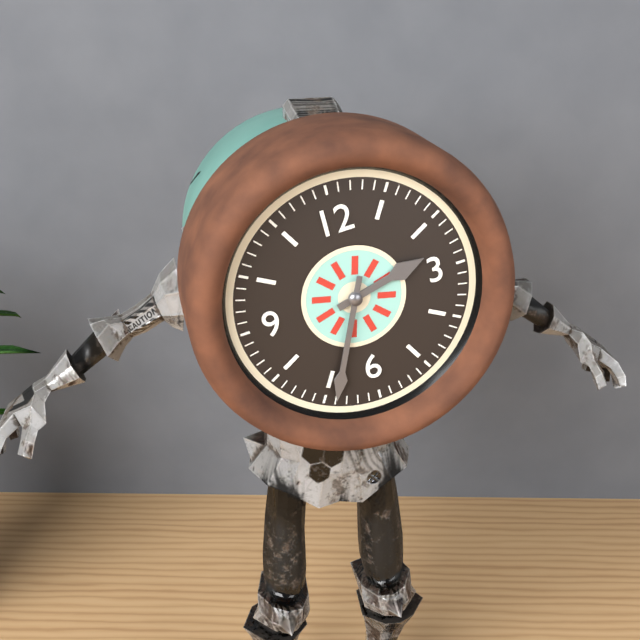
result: **2:34**
